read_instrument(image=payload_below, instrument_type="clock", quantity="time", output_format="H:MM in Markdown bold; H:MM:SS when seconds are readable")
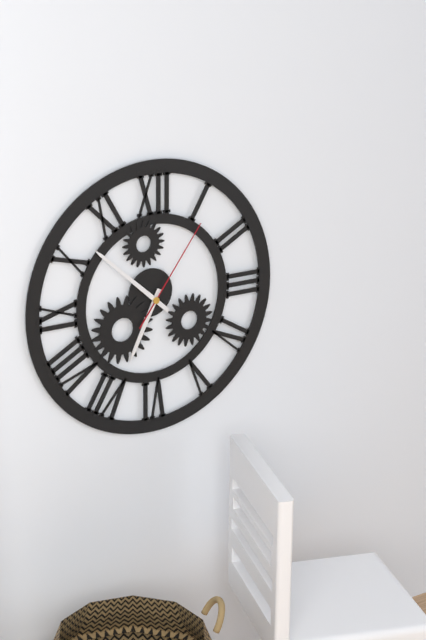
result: **6:52:06**
